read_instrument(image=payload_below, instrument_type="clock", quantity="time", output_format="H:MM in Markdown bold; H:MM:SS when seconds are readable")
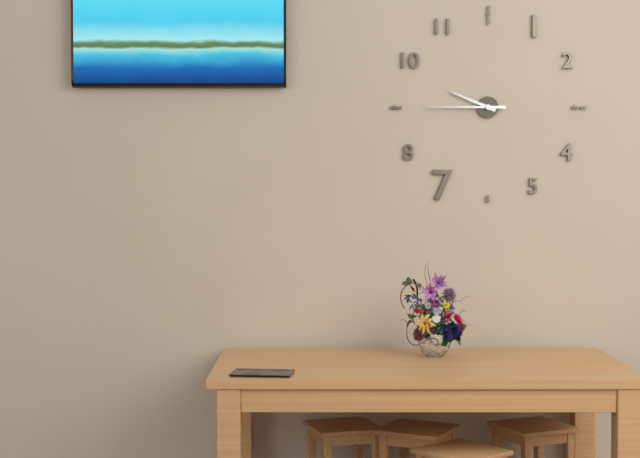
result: **9:45**
